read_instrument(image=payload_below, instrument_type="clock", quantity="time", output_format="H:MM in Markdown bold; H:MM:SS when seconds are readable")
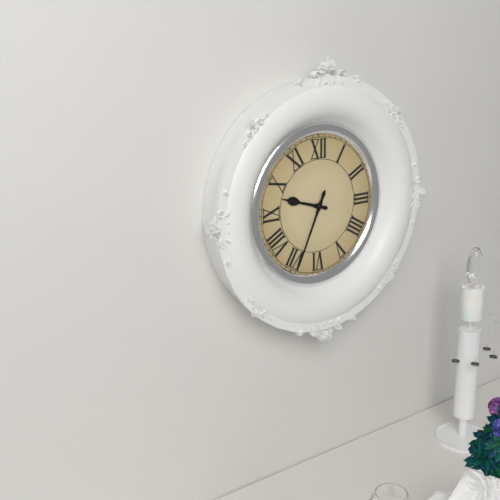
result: **9:34**
